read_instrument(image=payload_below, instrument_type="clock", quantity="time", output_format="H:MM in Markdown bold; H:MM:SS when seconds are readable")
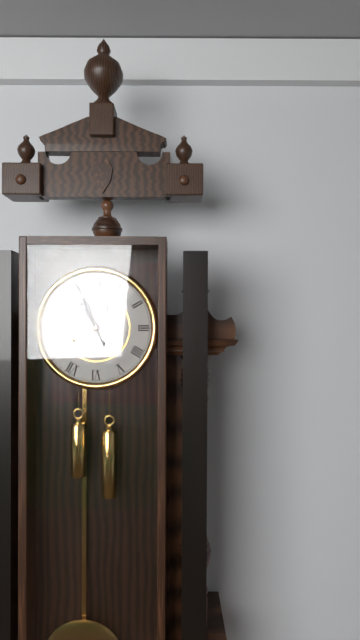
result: **10:56**
